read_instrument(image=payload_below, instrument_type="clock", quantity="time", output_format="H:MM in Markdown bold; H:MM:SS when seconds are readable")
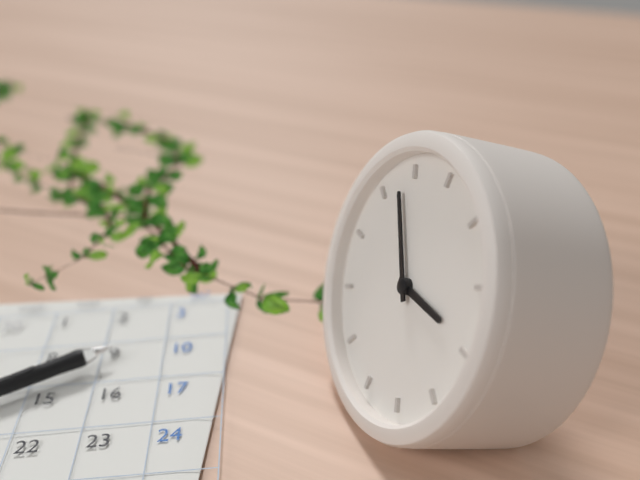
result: **2:53**
